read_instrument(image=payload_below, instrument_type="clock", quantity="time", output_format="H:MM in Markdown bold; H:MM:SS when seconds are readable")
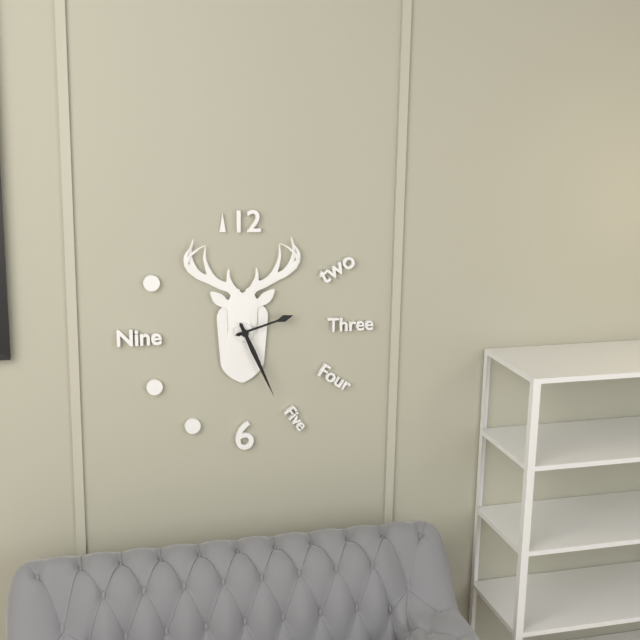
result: **2:26**
